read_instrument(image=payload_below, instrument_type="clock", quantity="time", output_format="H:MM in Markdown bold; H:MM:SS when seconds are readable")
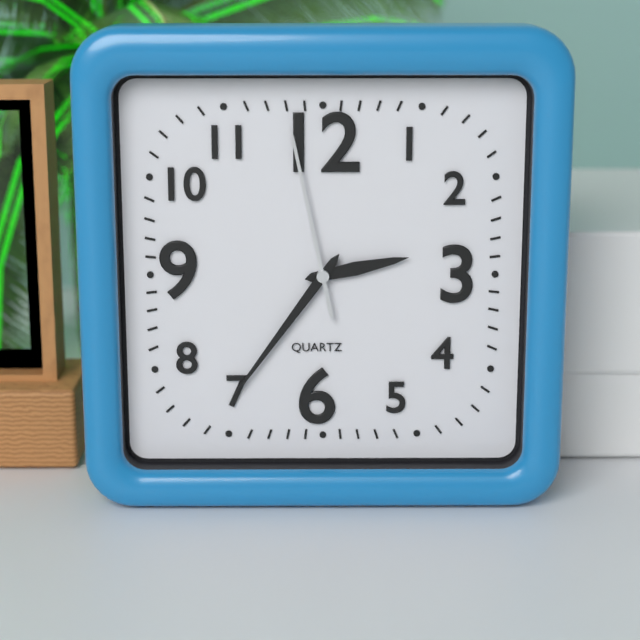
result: **2:36:58**
